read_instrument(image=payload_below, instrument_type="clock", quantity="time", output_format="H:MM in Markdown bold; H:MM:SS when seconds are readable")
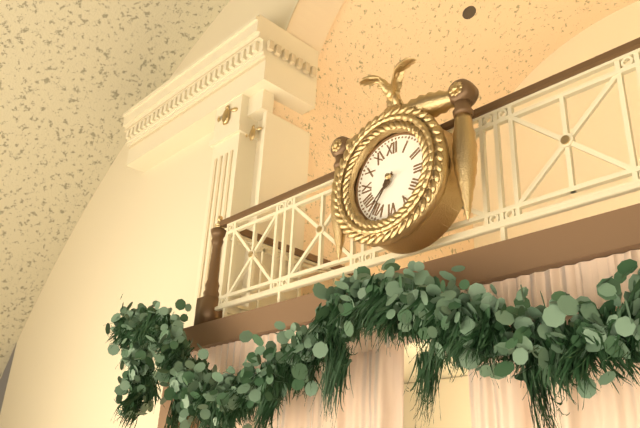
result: **7:36**
